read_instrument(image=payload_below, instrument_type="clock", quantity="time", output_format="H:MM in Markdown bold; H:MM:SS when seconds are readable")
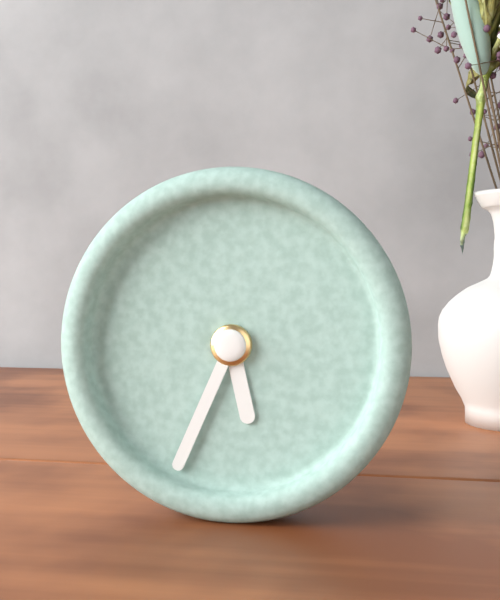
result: **5:34**
